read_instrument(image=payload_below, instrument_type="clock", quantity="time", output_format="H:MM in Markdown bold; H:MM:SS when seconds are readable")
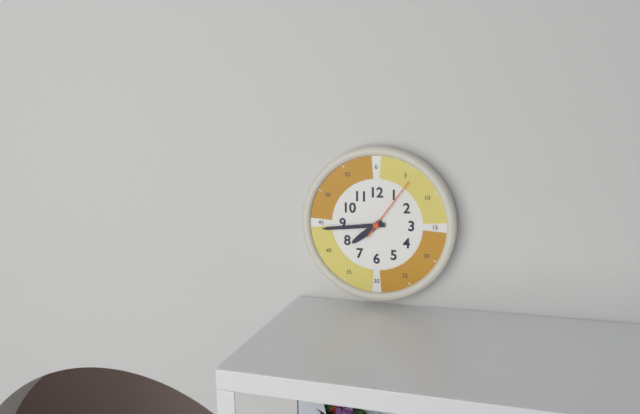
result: **7:44:06**
